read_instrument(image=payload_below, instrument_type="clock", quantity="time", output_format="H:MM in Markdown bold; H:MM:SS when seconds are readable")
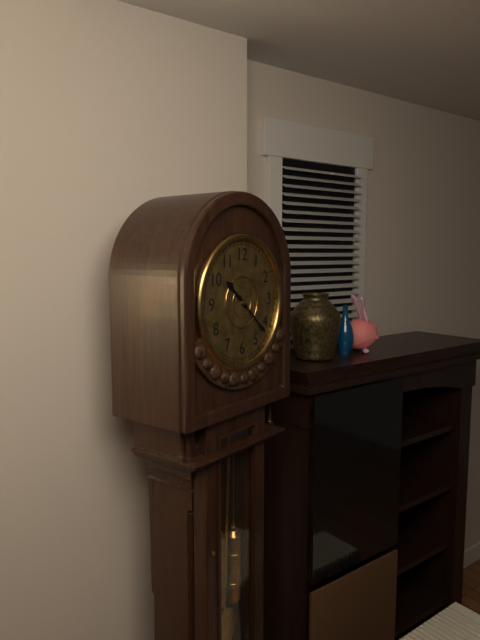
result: **10:22**
